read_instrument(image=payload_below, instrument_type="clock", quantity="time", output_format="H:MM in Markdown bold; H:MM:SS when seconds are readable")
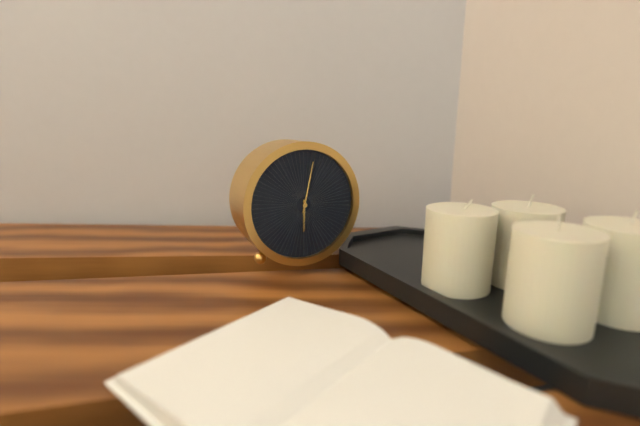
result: **6:02**
